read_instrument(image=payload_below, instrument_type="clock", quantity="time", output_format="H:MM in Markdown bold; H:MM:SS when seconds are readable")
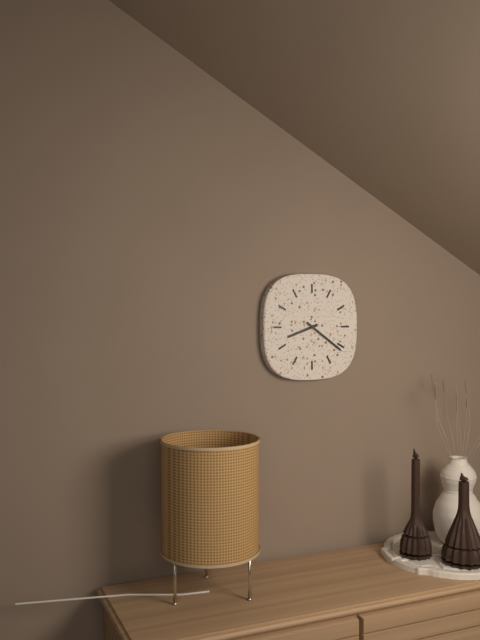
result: **8:21**
